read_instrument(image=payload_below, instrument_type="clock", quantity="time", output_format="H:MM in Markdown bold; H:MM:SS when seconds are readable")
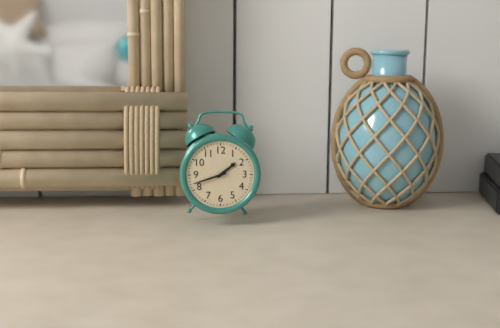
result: **1:42**
